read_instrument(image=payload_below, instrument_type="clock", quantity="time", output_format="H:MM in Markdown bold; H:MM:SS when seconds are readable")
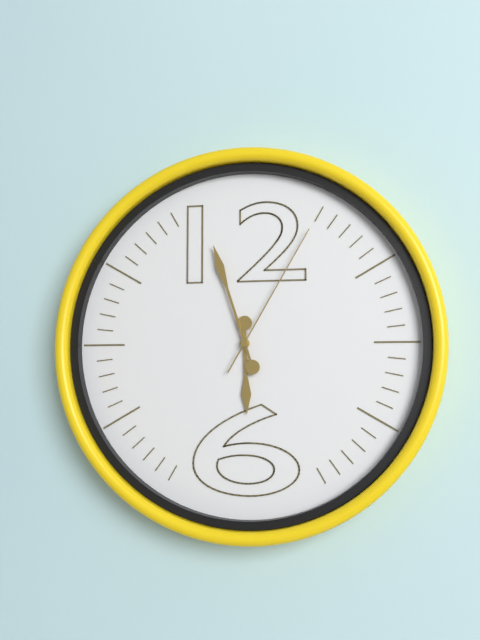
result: **5:57:05**
